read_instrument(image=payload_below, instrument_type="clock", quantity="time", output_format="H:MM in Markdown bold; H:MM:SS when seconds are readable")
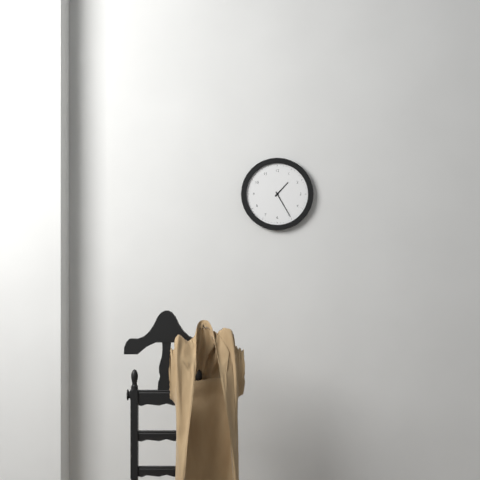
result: **1:25**
